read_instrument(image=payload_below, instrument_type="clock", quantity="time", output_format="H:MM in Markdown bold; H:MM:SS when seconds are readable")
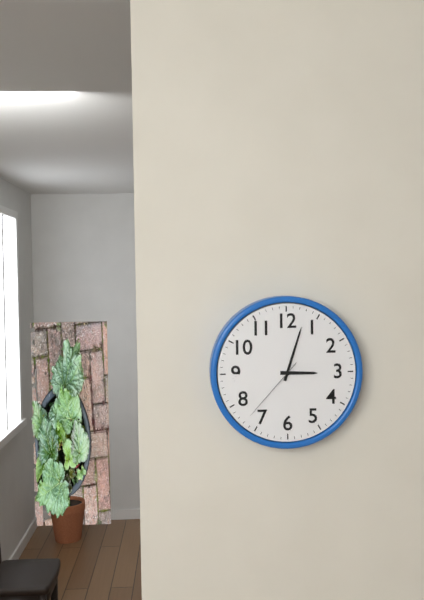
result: **3:03:37**
